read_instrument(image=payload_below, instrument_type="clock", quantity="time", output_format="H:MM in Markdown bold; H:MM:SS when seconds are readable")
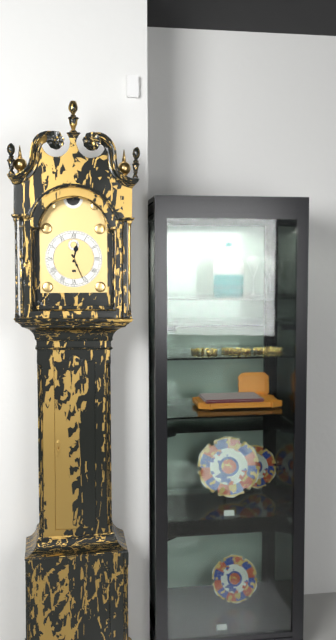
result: **12:26**
